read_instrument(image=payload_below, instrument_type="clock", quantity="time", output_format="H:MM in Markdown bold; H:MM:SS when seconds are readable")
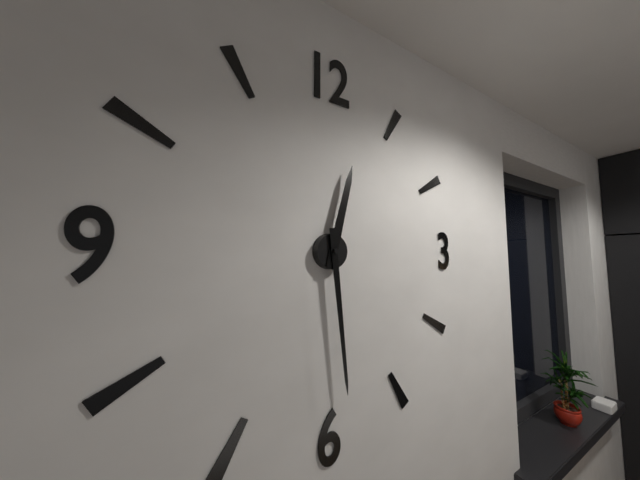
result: **12:29**
